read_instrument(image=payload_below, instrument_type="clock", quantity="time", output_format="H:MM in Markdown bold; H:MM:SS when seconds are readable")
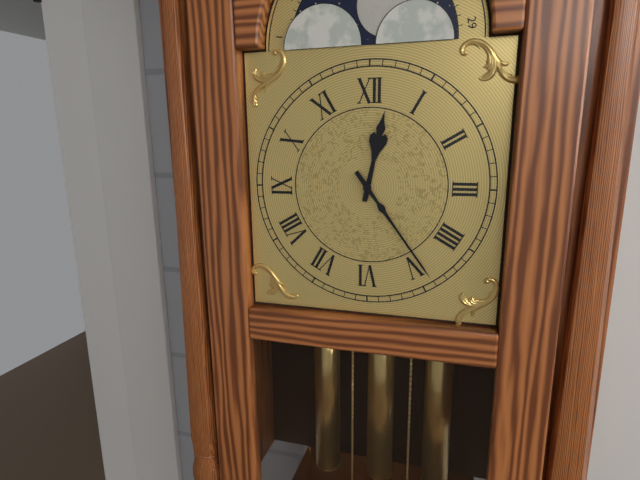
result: **12:24**
